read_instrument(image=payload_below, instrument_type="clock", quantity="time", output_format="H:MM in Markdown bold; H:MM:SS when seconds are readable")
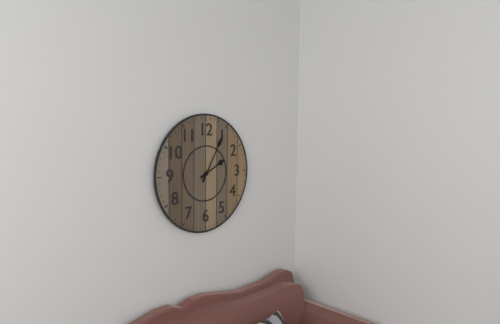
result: **2:05**
